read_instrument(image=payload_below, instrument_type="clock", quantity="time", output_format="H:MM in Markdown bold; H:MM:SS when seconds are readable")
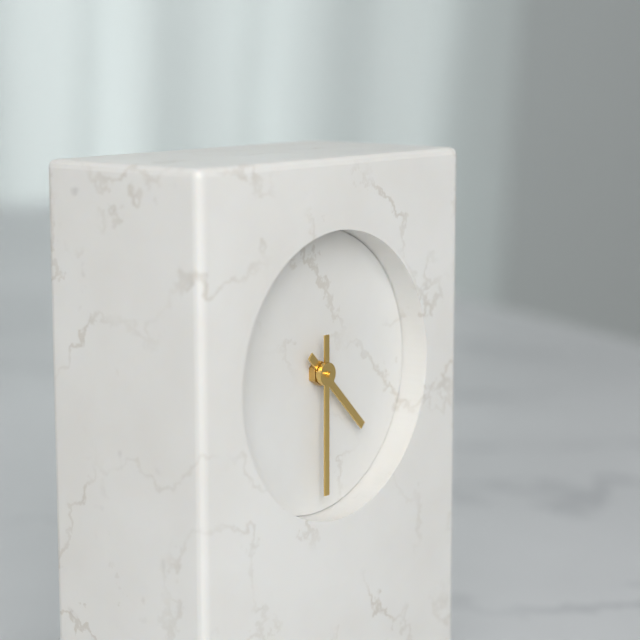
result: **4:30**
